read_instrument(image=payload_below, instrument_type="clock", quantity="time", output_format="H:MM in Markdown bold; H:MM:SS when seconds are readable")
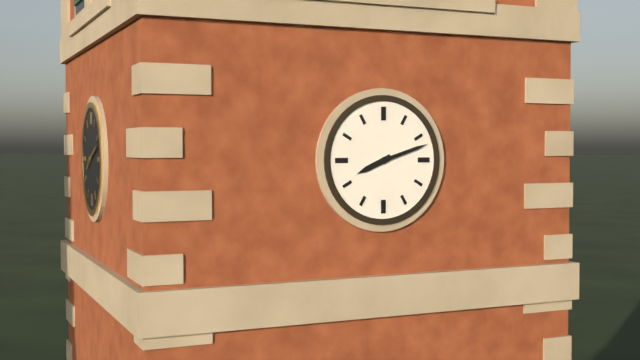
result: **8:12**
